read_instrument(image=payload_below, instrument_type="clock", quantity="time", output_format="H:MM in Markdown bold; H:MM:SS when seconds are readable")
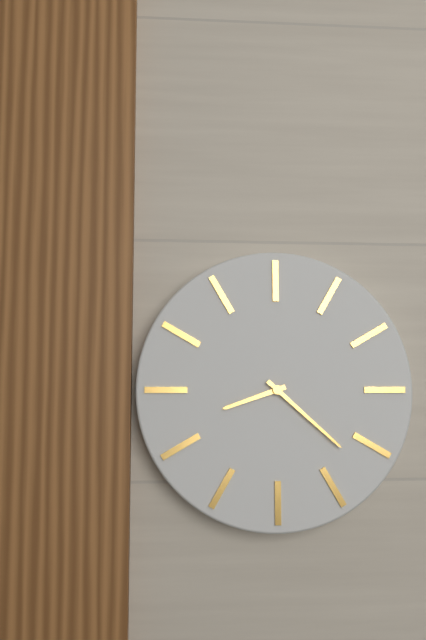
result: **8:22**
